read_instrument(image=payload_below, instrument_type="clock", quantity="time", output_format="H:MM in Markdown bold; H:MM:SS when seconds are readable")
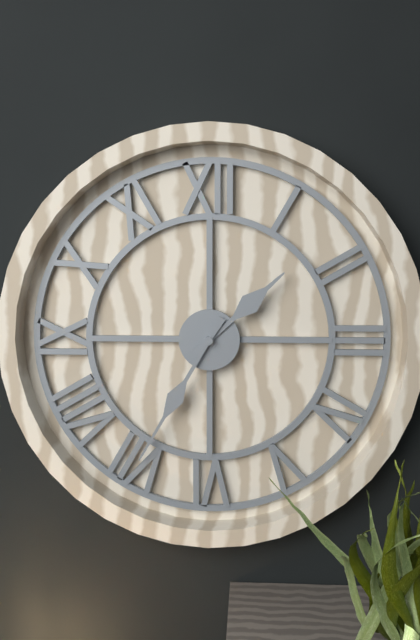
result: **1:35**
